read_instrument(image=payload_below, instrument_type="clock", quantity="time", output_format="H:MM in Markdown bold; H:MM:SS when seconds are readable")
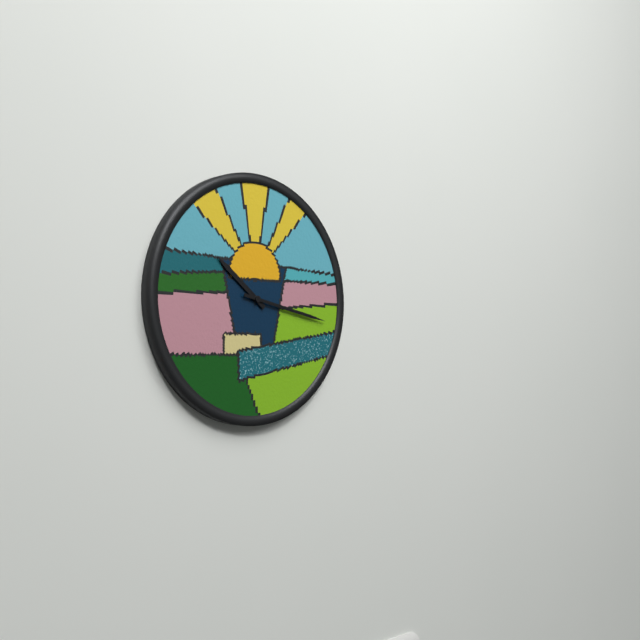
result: **10:17**
